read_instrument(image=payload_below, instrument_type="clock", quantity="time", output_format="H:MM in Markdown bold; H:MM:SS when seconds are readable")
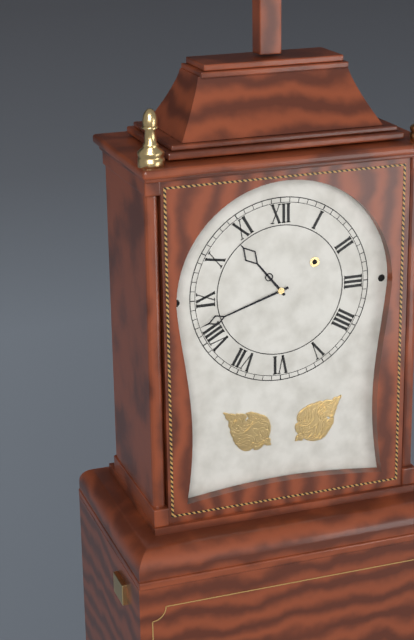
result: **10:42**
